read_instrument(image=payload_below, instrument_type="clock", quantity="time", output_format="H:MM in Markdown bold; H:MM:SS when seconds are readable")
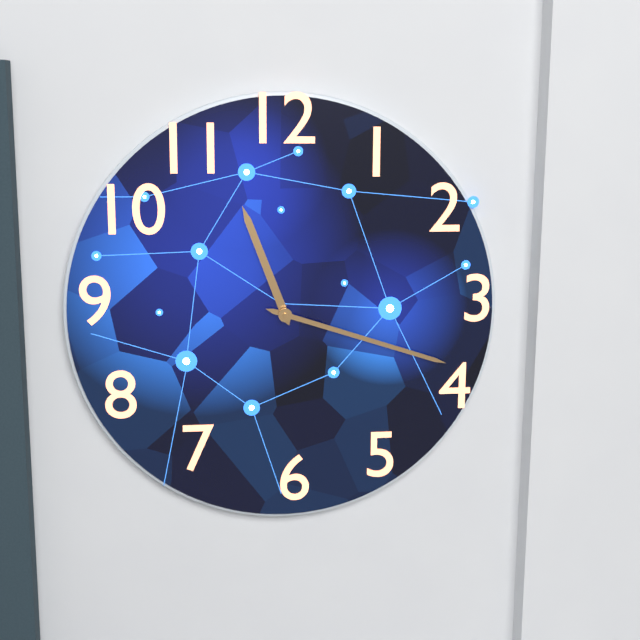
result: **11:18**
